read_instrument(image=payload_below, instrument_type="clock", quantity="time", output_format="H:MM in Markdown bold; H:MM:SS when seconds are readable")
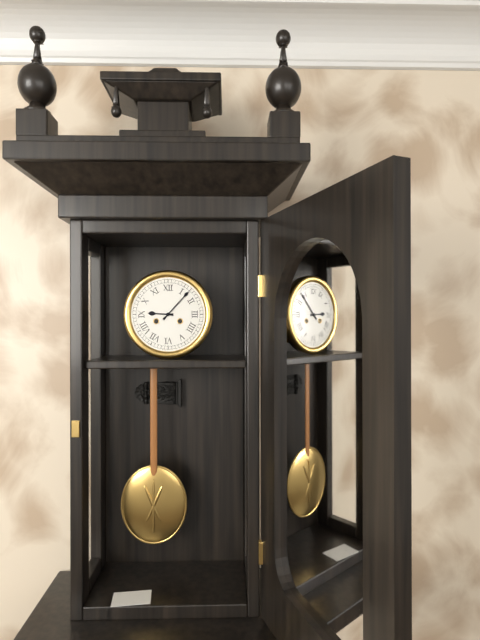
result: **9:07**
